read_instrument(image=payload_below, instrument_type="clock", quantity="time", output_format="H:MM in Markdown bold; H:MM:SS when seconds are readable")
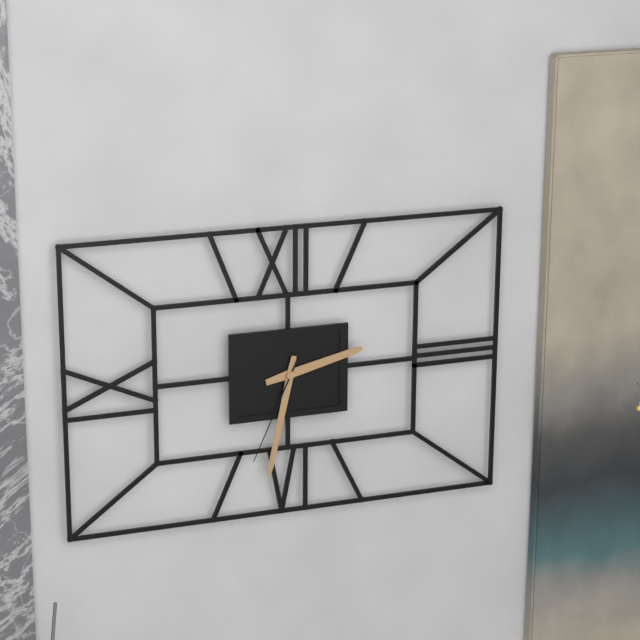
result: **2:32:34**
